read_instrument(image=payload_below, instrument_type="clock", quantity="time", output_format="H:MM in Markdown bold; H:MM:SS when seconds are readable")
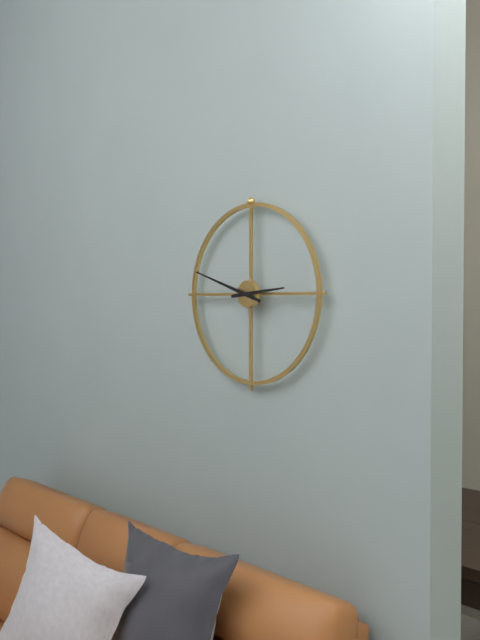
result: **2:48**
